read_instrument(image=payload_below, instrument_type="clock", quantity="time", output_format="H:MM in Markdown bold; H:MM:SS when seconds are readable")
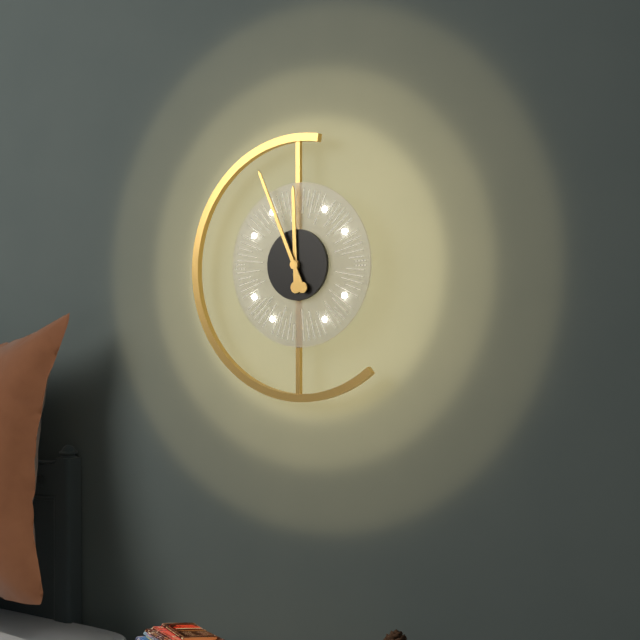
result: **11:56**
